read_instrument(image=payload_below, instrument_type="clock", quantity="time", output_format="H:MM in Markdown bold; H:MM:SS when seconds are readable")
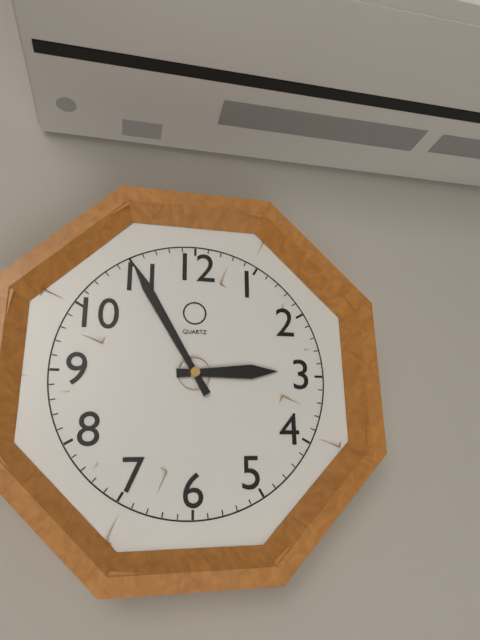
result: **2:55**
